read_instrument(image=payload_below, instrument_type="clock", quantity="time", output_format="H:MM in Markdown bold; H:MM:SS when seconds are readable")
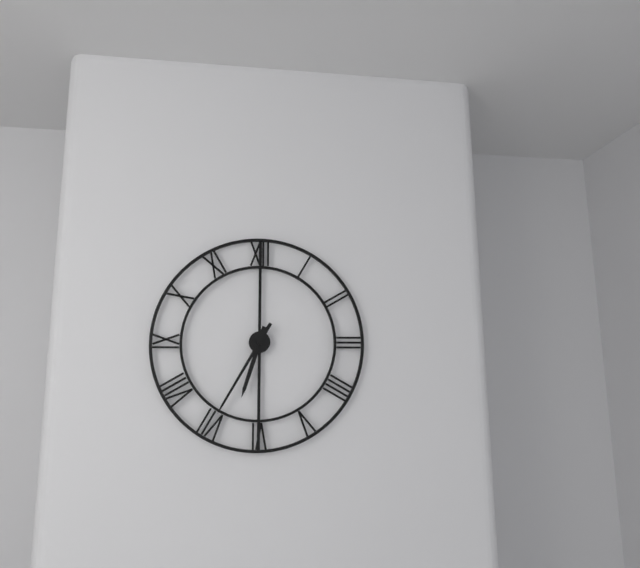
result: **6:35**
